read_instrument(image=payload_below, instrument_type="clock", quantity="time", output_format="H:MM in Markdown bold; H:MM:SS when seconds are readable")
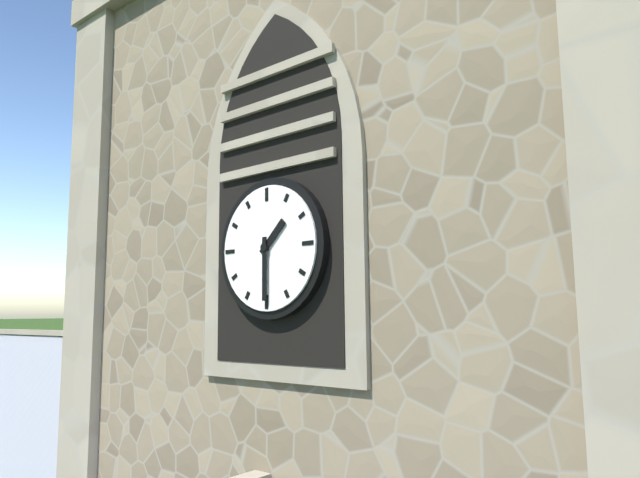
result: **1:30**
